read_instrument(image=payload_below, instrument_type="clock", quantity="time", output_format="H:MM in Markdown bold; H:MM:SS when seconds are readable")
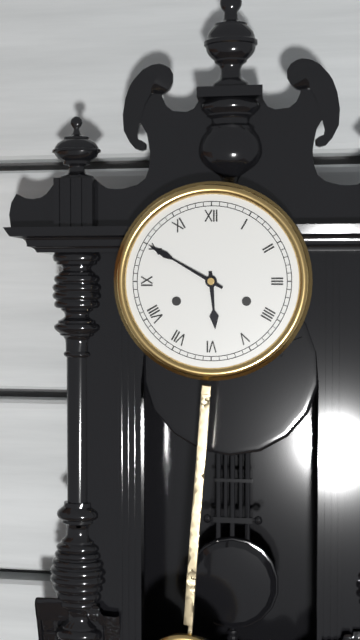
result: **5:50**
